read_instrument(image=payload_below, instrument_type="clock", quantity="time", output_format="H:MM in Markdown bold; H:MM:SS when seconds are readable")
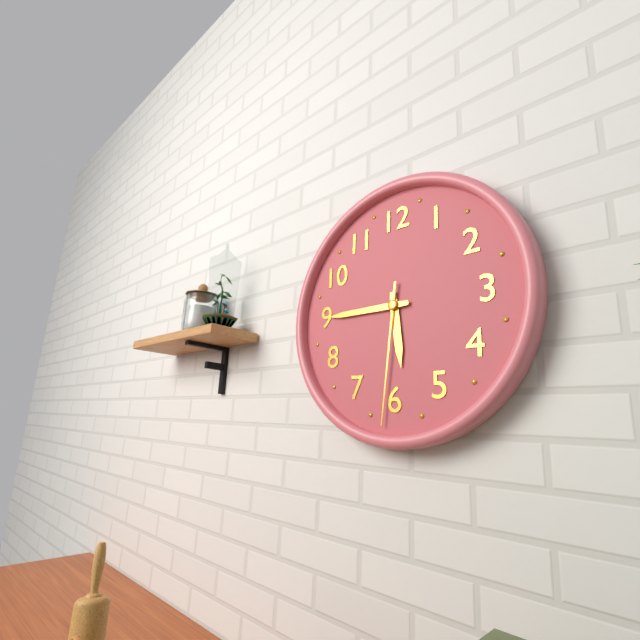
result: **5:45:31**
